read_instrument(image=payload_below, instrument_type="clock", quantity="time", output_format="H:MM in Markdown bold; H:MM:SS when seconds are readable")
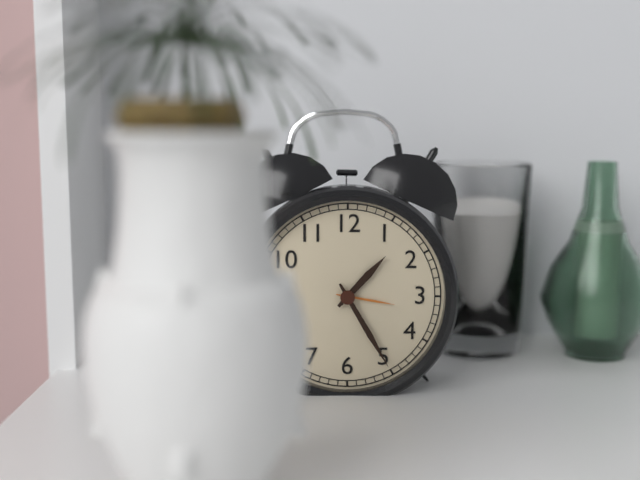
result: **1:25**
